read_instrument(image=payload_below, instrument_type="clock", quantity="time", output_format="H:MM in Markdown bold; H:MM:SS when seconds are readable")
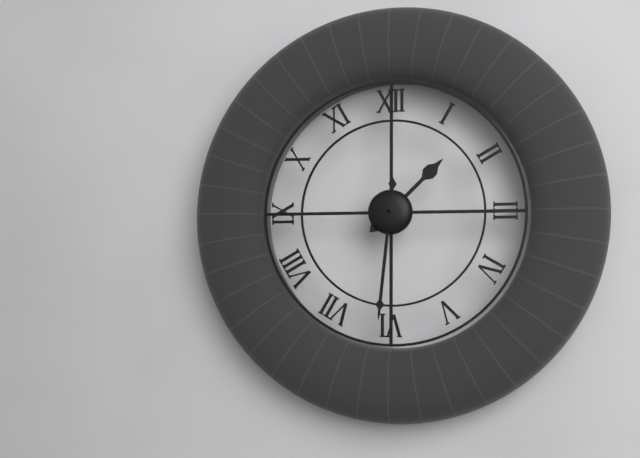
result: **1:31**
